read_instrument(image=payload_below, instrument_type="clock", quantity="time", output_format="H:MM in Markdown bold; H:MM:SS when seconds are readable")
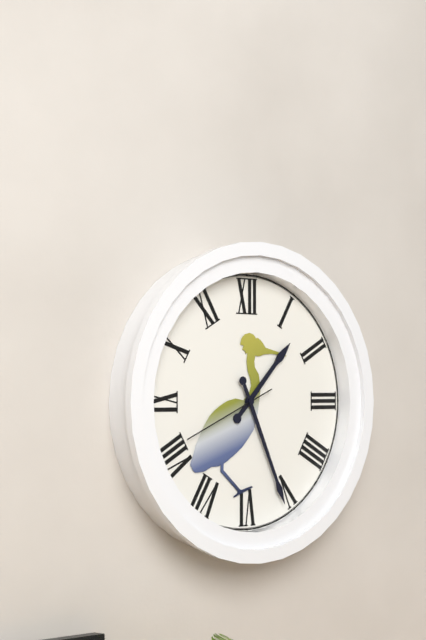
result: **1:26:41**
